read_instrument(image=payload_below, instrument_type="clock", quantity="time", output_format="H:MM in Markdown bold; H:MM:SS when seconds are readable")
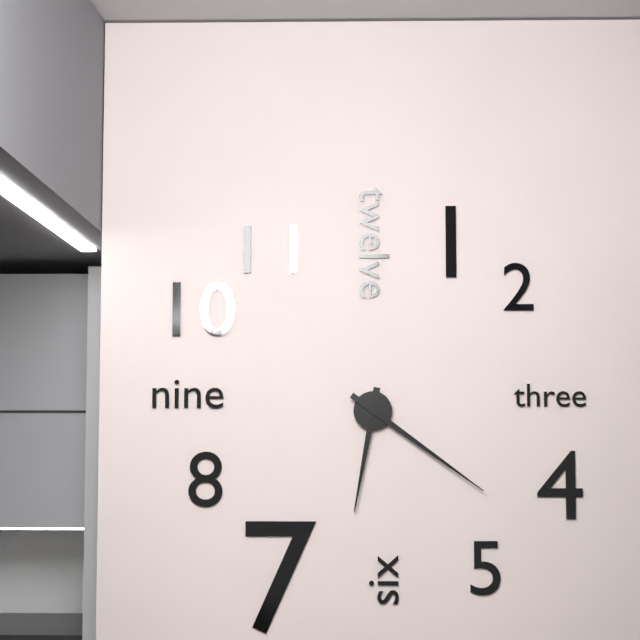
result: **6:21**
